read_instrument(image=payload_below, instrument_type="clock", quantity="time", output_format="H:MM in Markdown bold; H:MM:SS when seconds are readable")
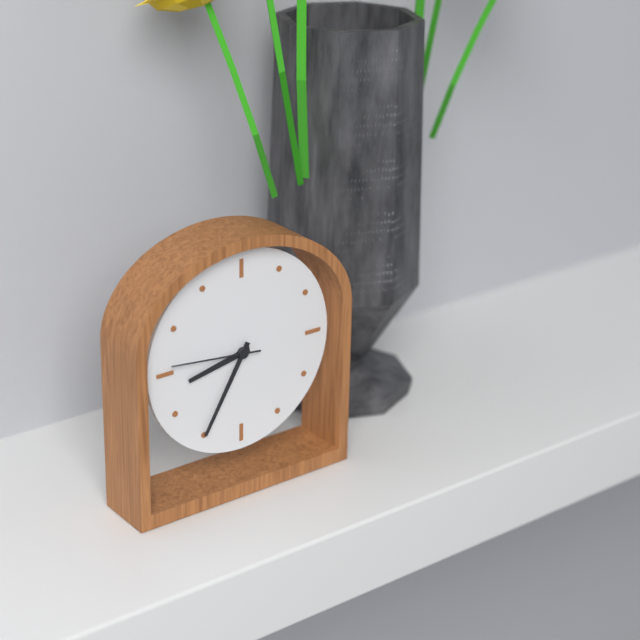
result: **8:35:46**
